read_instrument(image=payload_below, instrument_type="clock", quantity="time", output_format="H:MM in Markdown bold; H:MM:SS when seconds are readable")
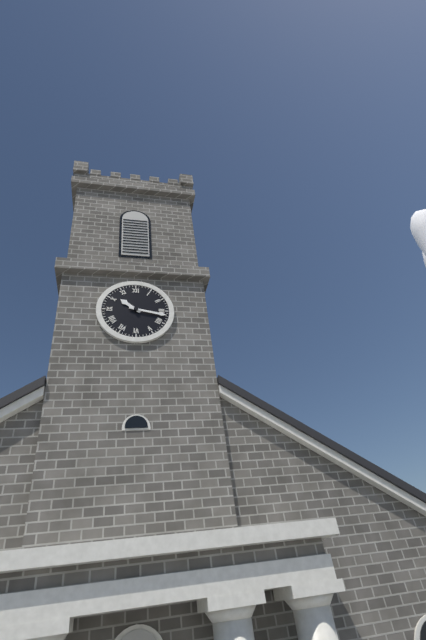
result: **10:17**
